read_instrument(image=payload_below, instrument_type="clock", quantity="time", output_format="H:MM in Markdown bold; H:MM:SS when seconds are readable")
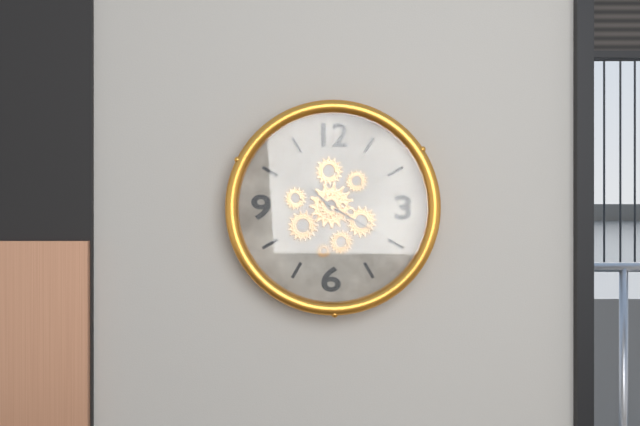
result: **10:20**
